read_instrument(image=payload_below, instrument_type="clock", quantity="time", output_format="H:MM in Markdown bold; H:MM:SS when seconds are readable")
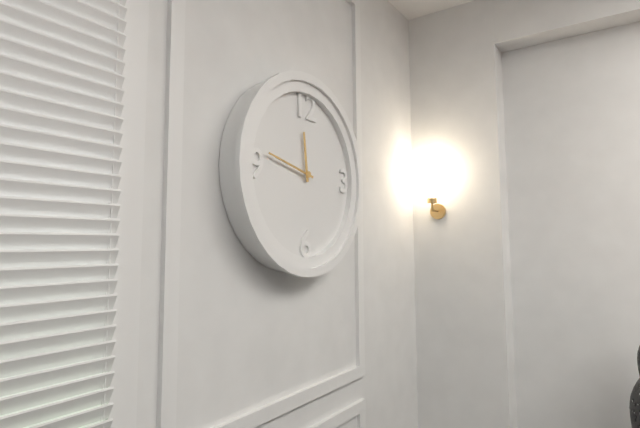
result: **11:47**
